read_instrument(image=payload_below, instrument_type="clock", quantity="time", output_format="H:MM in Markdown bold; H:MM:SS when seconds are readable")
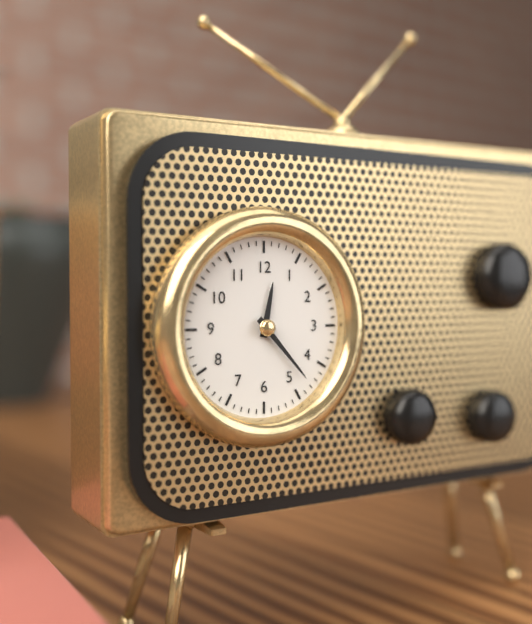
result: **12:23**
